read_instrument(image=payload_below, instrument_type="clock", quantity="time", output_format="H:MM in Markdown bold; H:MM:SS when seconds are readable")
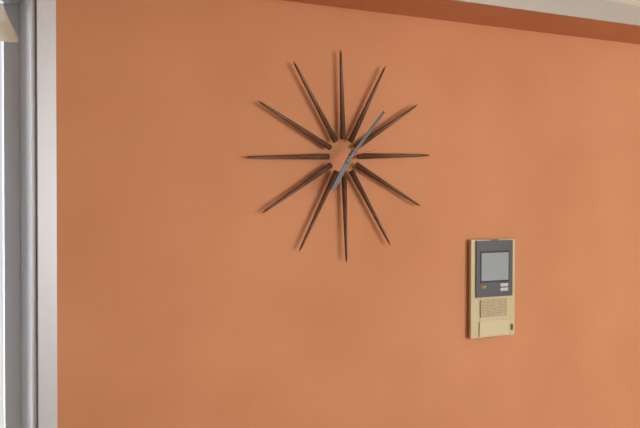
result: **7:07**
